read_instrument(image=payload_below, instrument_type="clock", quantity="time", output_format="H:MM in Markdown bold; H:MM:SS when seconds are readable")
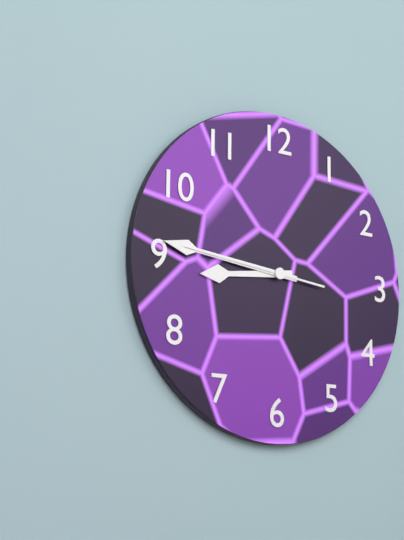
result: **8:46:46**
